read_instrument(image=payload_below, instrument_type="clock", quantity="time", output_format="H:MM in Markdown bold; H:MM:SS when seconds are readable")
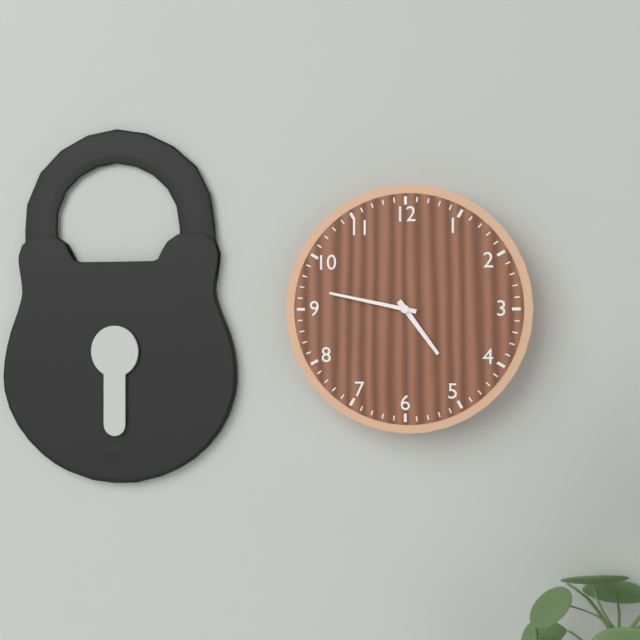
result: **4:47**
